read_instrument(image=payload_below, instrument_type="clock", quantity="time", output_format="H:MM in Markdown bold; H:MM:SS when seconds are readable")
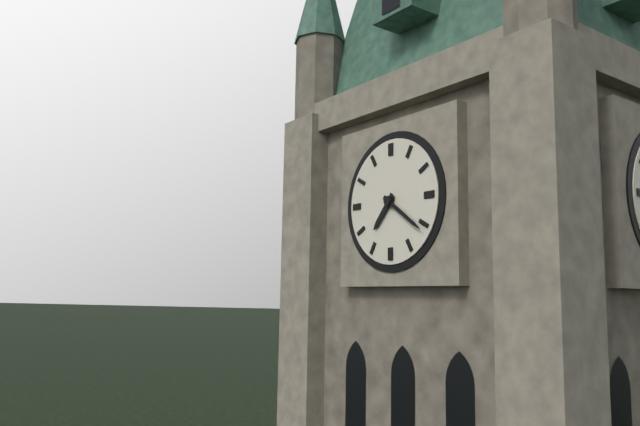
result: **7:21**
